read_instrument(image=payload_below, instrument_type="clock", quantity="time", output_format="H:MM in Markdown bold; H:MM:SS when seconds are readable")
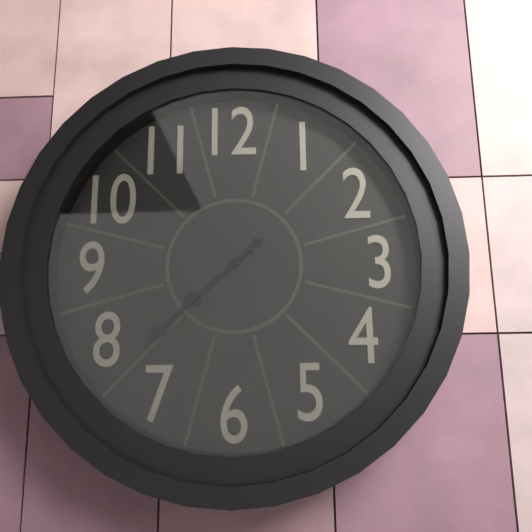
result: **7:38**
